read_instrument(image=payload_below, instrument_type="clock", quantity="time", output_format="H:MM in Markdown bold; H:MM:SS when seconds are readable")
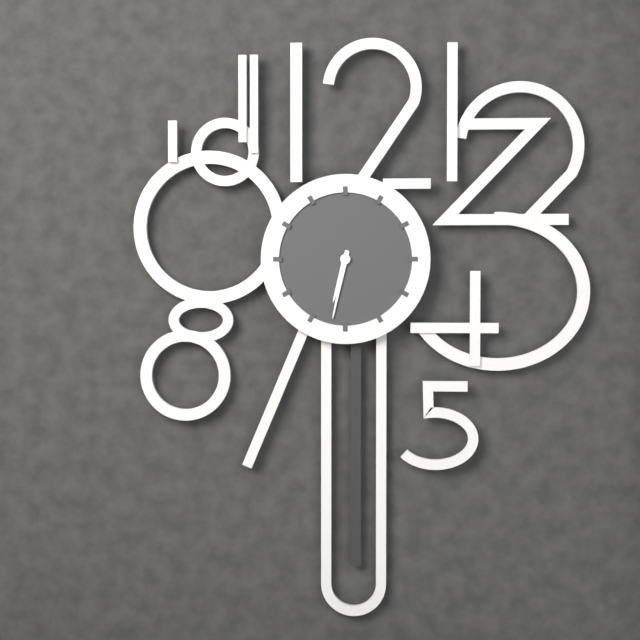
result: **6:32**
